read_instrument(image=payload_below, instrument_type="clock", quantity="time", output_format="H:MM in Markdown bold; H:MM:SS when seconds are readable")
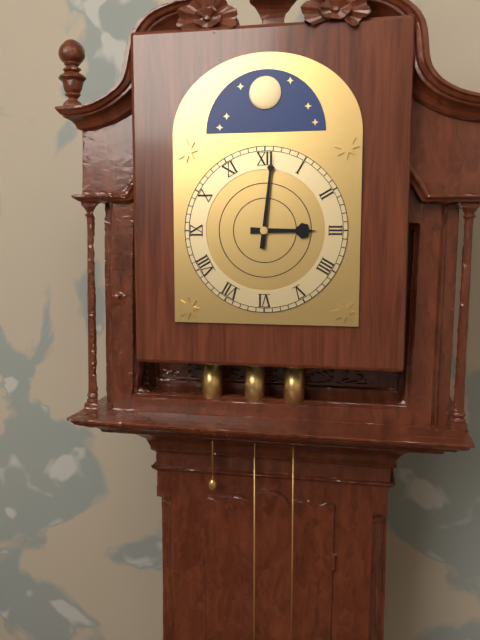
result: **3:01**
